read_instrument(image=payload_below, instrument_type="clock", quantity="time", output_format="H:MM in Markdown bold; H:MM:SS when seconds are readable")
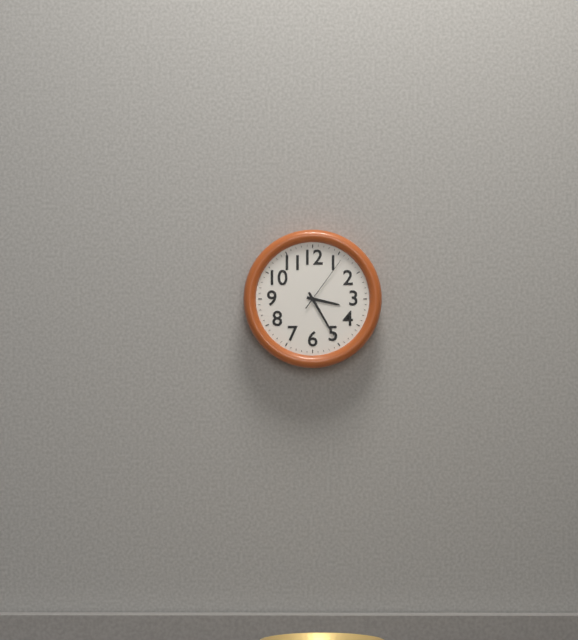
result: **3:25:06**
